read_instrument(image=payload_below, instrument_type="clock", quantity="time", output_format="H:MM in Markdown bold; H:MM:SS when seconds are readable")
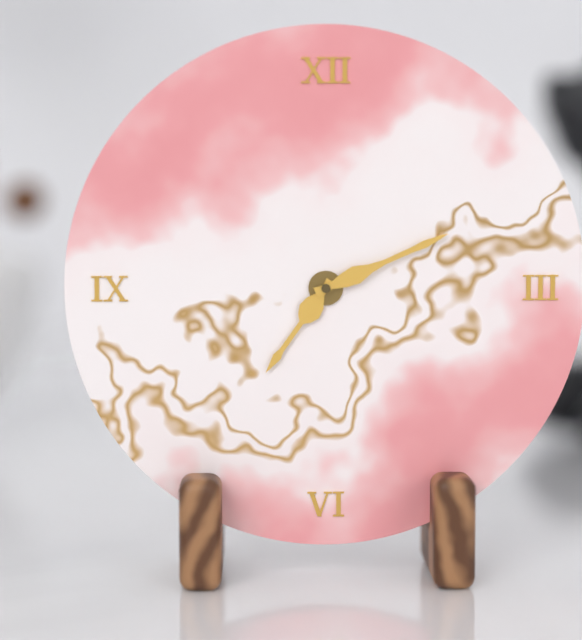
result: **7:11**
